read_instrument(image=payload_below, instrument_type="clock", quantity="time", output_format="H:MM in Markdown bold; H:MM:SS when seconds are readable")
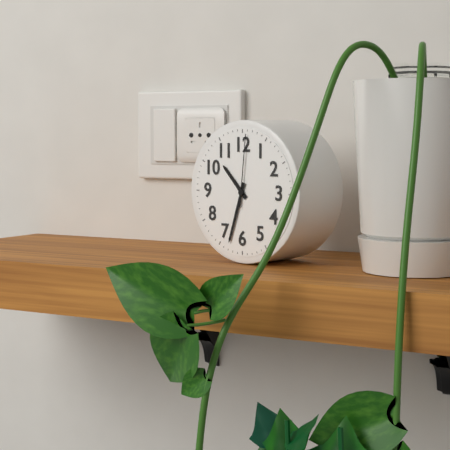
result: **10:33:01**
